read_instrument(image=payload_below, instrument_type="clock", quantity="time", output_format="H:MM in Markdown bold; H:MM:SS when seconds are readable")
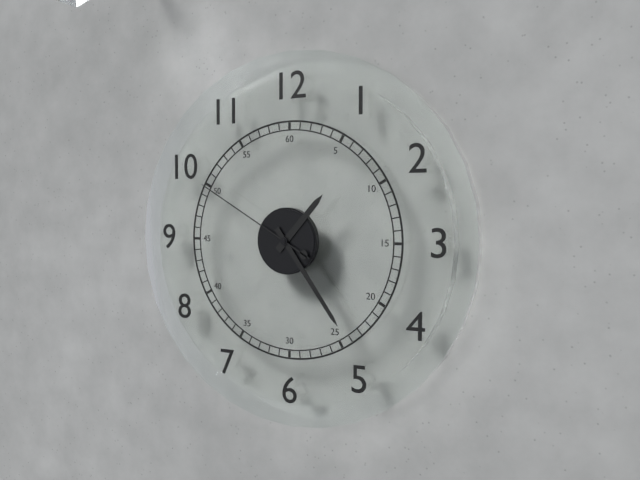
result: **1:24:50**
